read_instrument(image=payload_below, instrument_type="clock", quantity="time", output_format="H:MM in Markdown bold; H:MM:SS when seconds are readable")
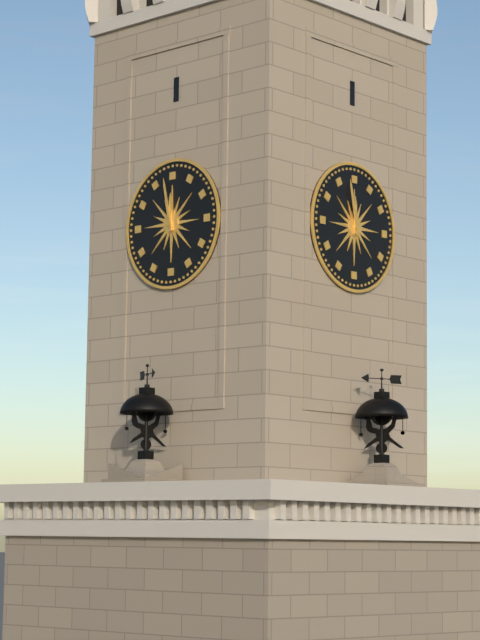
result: **11:58**
